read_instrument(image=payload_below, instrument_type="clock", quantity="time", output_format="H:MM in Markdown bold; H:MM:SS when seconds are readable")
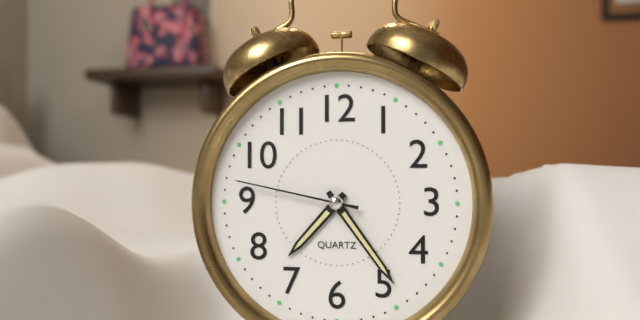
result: **7:24:47**
